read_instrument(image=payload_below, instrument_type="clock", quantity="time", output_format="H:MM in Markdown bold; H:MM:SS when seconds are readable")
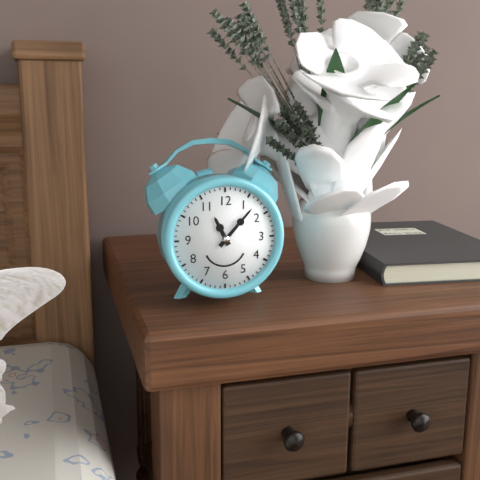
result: **11:07**
